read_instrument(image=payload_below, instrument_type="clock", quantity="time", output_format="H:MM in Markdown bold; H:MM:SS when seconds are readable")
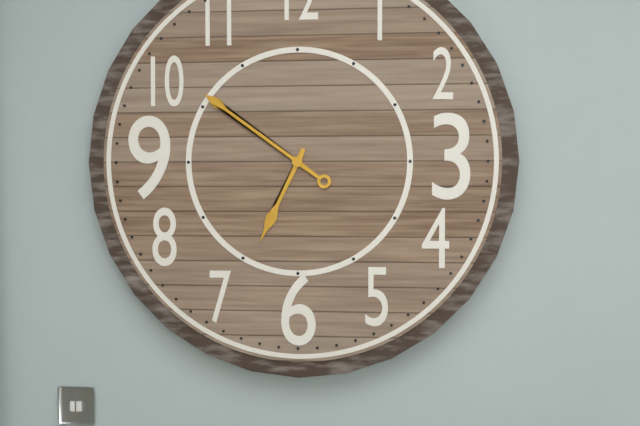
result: **6:51**
